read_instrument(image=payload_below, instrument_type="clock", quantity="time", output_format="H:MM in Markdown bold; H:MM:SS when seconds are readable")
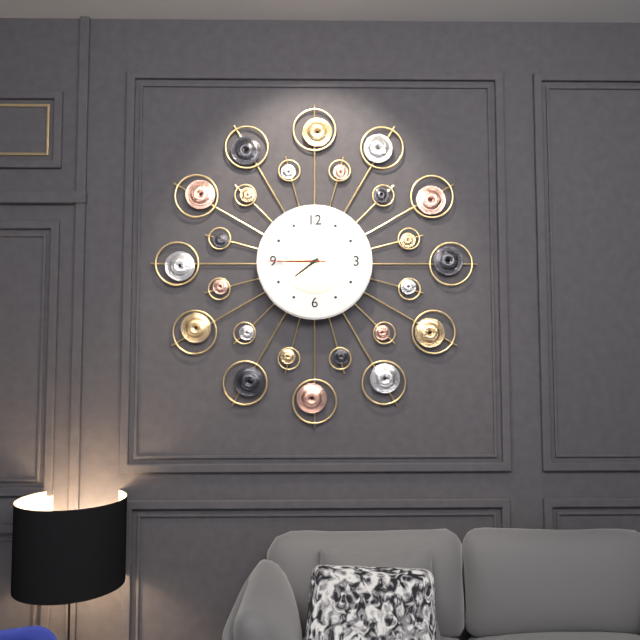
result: **7:45:45**
